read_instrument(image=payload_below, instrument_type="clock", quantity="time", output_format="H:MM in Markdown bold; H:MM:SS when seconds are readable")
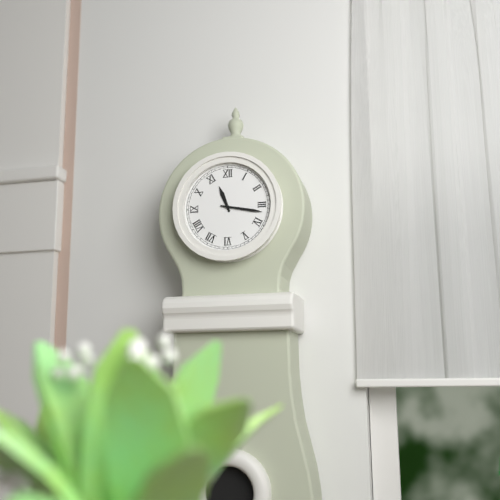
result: **11:17**
